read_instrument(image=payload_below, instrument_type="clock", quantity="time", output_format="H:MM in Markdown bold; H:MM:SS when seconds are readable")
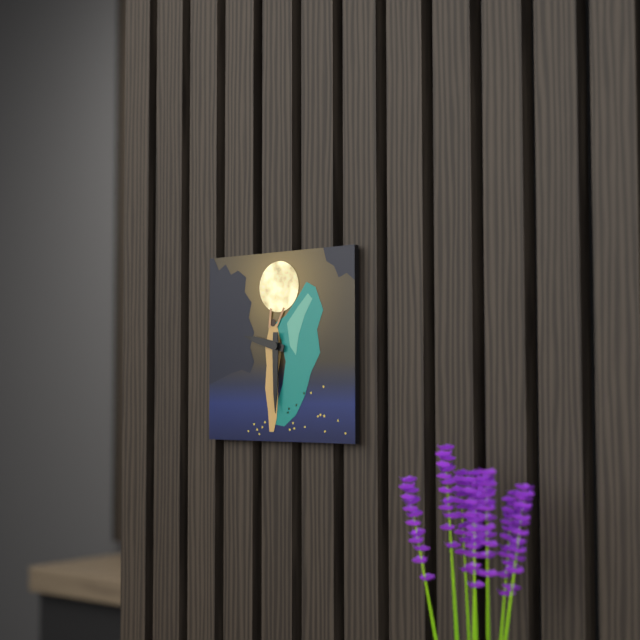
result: **9:30**
